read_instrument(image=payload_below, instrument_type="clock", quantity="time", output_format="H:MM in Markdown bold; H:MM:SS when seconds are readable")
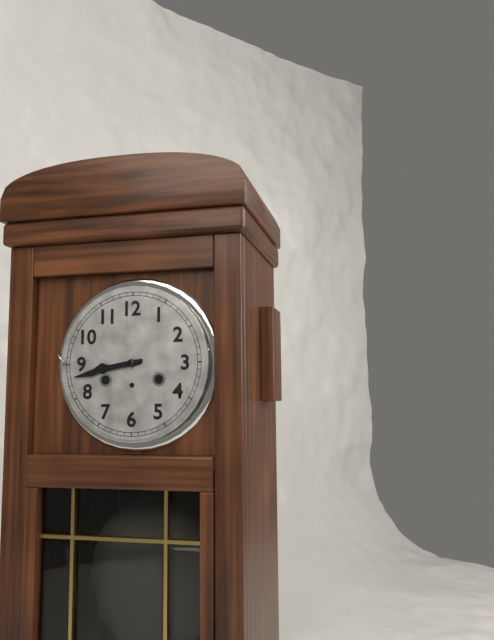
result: **8:43**
